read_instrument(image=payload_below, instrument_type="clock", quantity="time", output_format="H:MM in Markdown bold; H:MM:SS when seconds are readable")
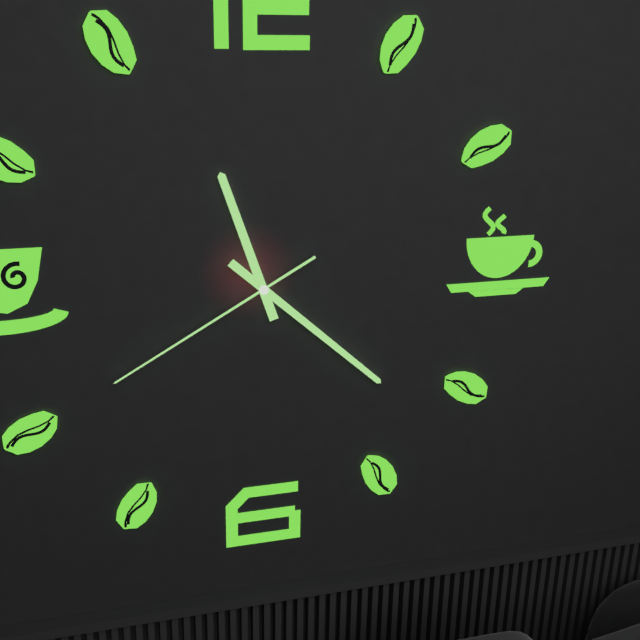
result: **11:22:40**
